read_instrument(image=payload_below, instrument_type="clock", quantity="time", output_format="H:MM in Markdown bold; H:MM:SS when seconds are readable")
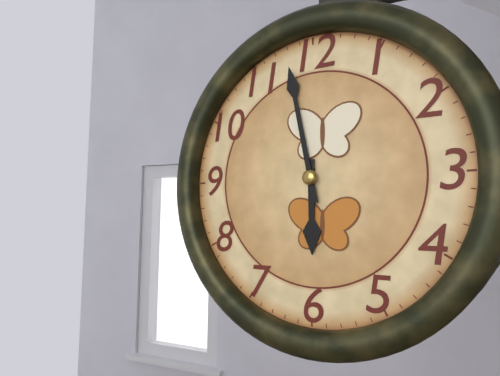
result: **5:58**
